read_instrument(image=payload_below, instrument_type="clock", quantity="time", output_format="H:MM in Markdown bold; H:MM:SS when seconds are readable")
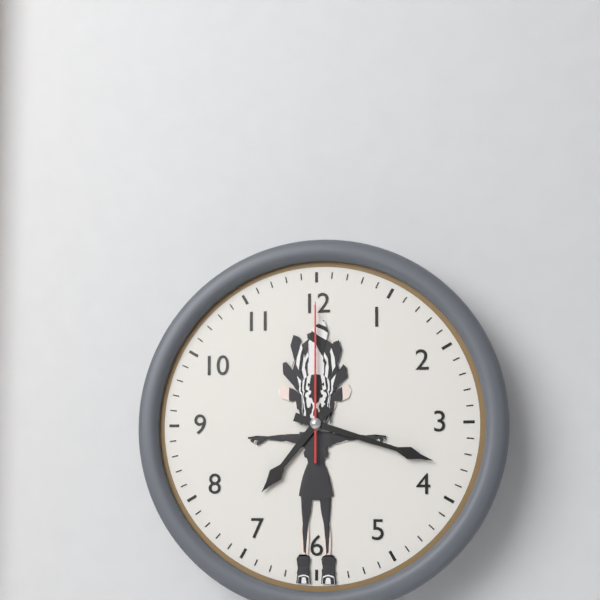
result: **7:18:00**
